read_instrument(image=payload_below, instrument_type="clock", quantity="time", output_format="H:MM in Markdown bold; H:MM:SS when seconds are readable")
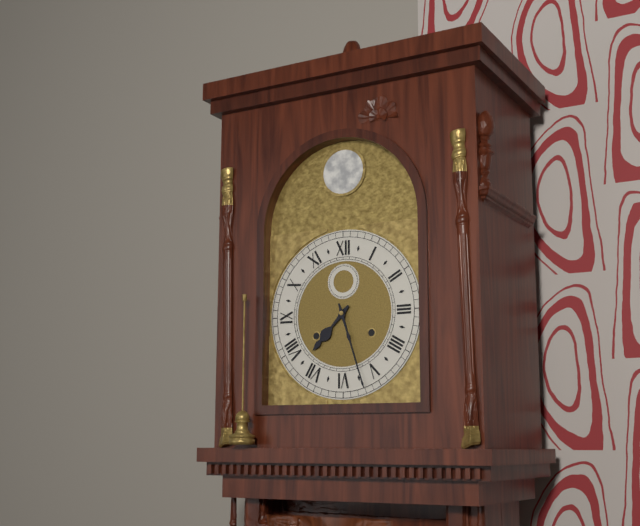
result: **7:27**
